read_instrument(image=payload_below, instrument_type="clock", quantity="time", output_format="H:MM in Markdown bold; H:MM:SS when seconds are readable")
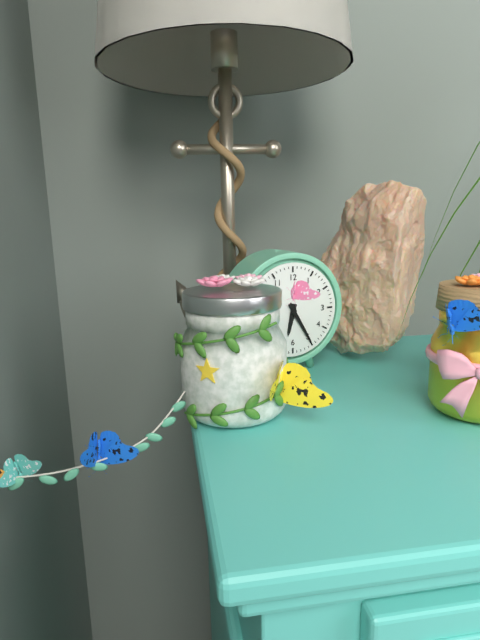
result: **6:25**
